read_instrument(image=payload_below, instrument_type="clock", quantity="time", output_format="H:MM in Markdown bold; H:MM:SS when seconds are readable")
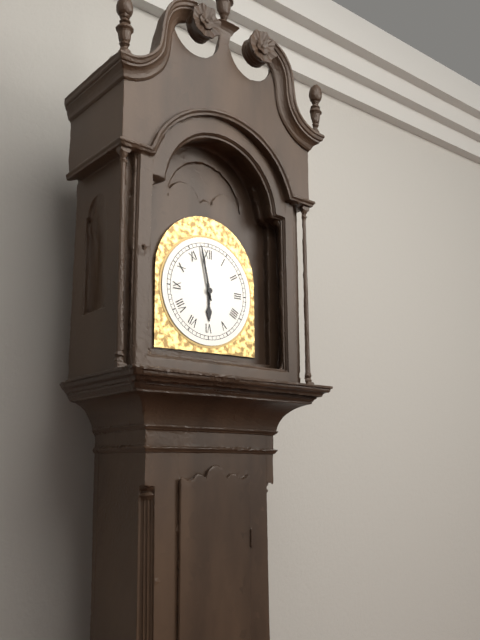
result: **5:58**
